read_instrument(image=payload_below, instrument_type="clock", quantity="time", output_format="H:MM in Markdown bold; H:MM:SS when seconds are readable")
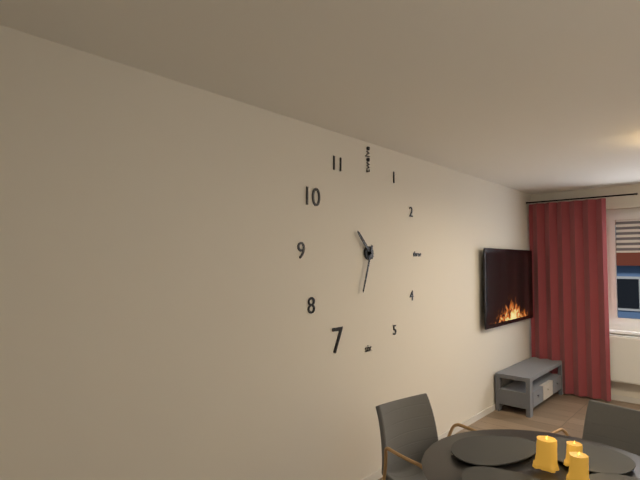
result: **10:33**
